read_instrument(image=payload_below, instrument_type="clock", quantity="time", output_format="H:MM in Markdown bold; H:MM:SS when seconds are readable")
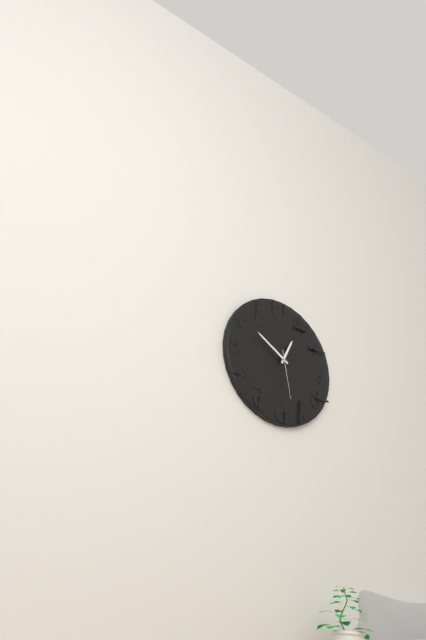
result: **12:50**
